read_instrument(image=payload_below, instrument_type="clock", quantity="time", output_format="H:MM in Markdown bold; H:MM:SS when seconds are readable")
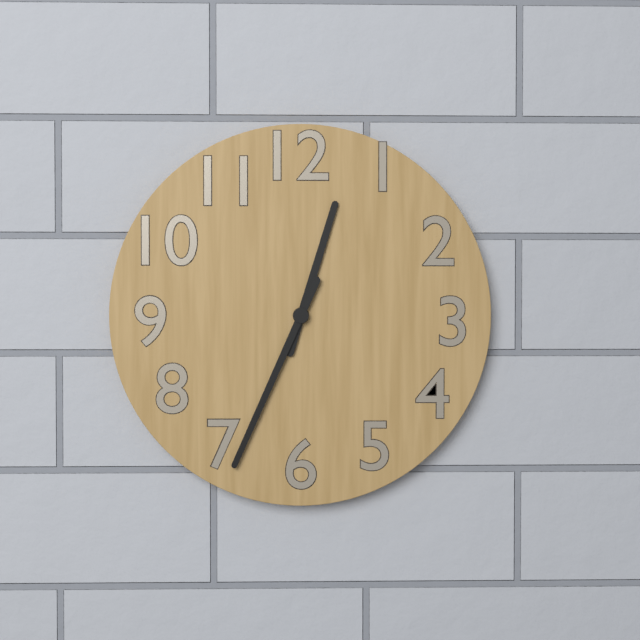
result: **12:34**
